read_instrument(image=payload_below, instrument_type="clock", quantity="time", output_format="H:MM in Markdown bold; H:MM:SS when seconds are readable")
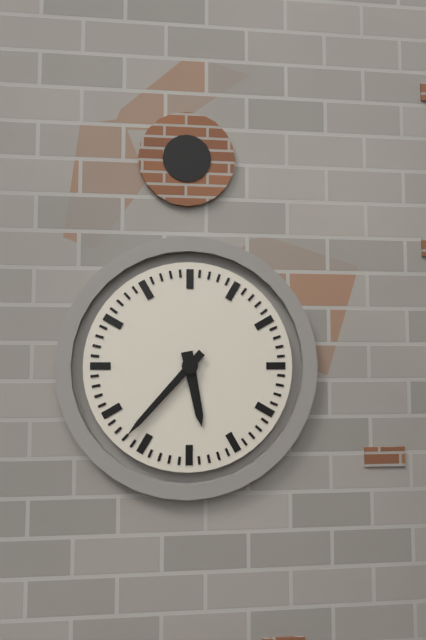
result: **5:37**
